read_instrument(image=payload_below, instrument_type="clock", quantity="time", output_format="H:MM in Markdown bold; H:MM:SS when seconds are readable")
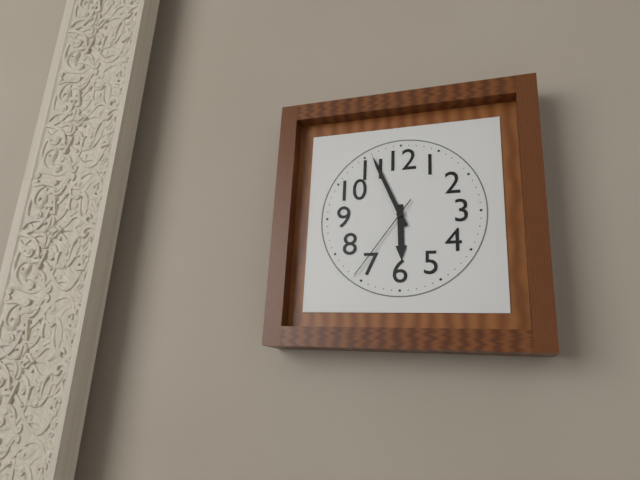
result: **5:56:36**
